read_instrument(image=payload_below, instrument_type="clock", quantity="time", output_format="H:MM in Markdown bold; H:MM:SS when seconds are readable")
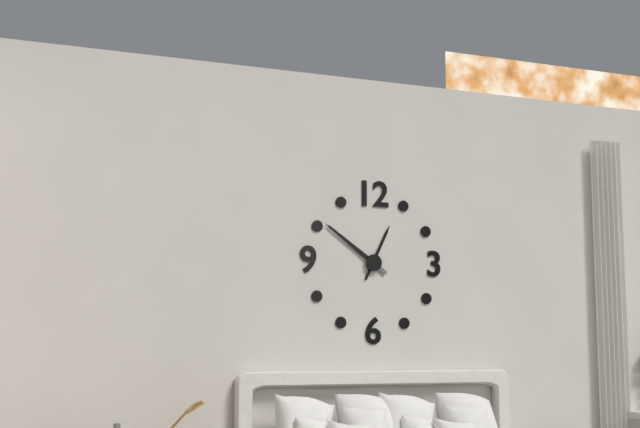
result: **12:51**
